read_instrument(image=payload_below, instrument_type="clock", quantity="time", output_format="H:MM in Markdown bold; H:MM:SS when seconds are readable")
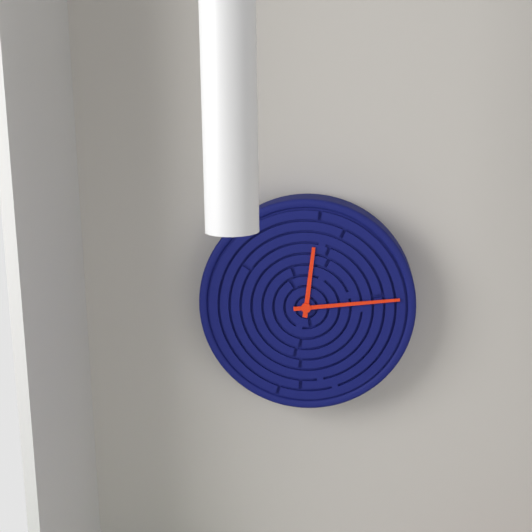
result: **12:14**
